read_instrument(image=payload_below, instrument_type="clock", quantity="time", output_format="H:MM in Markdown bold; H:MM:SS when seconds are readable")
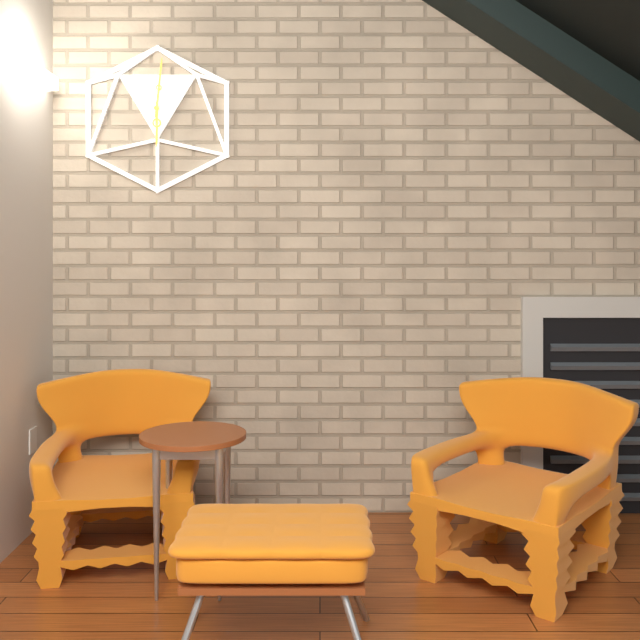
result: **6:01**
